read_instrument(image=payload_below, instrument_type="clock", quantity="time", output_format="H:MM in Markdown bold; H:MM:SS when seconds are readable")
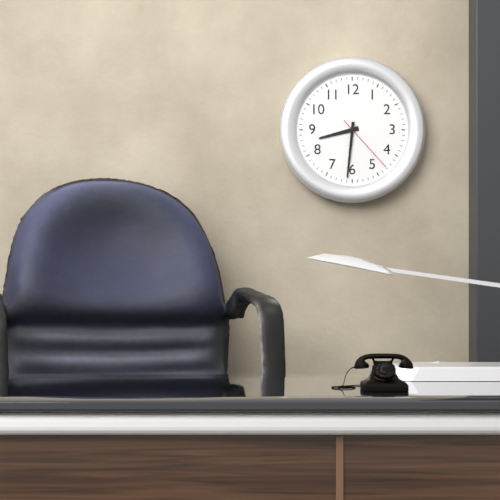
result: **8:31:23**
